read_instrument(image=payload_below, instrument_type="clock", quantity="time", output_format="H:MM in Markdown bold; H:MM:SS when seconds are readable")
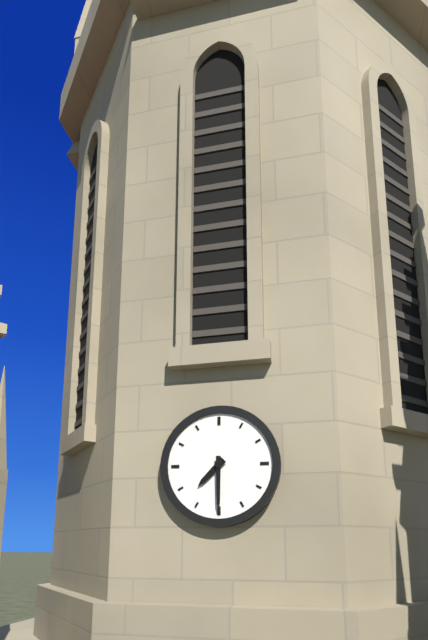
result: **7:30**
